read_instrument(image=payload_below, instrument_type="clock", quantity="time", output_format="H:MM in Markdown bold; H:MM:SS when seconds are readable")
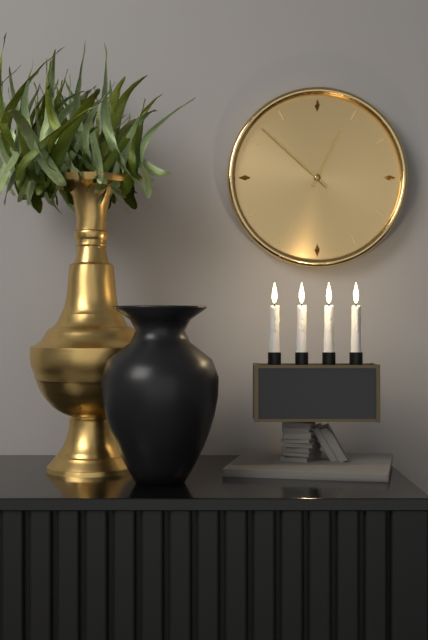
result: **12:52**
